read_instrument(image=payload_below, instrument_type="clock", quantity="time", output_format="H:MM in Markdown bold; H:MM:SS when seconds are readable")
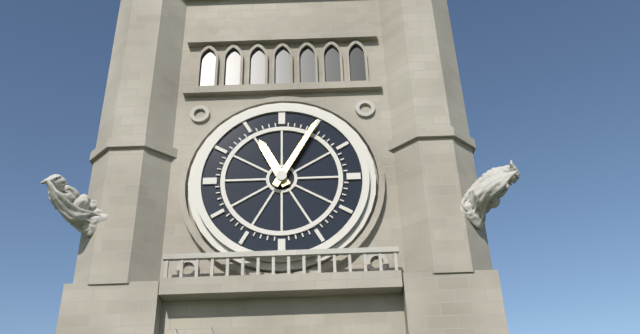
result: **11:05**
